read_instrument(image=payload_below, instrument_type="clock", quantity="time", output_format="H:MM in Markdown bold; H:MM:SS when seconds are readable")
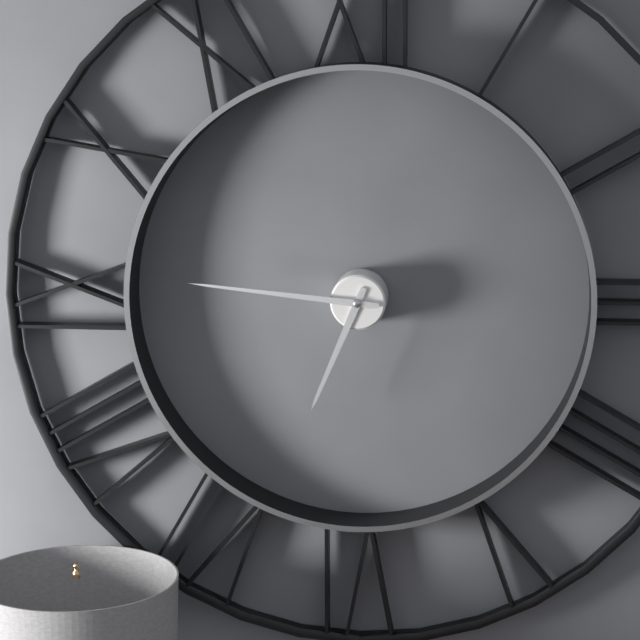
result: **6:46**
